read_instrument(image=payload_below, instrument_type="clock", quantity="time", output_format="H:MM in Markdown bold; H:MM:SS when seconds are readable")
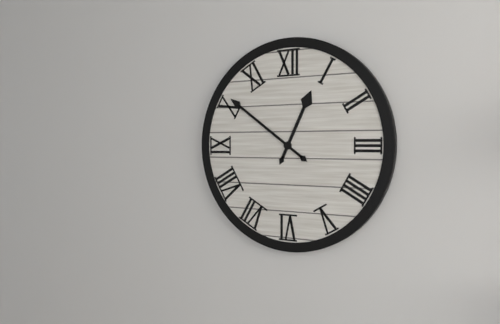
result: **12:51**
